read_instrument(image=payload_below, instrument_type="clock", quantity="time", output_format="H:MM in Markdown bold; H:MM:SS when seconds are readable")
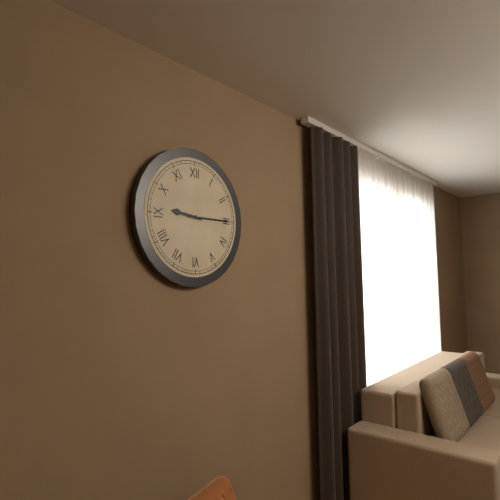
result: **9:15**
